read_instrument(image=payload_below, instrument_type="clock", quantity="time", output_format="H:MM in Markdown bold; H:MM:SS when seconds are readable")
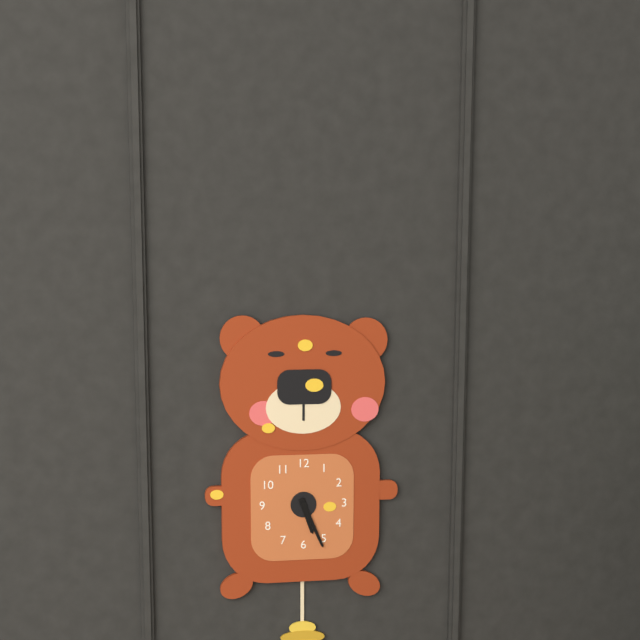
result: **5:26**
